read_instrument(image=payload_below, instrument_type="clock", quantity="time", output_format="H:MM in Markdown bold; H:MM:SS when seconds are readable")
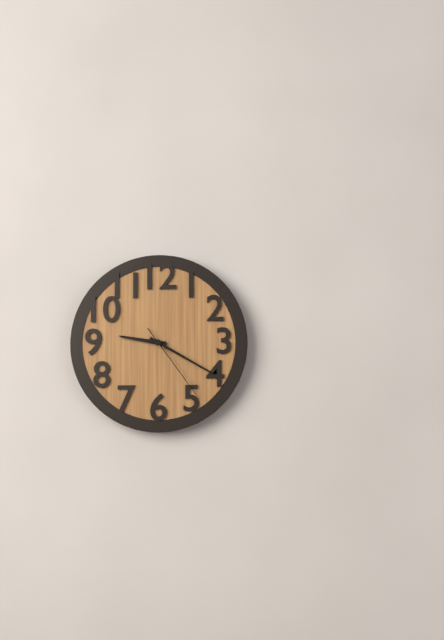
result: **9:20:24**
